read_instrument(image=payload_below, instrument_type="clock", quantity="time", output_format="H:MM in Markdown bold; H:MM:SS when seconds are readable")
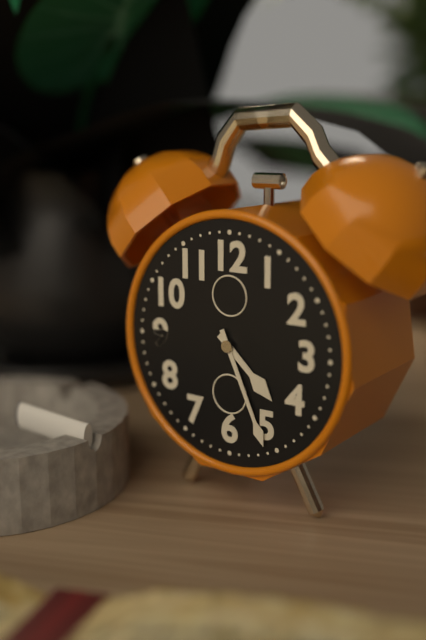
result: **4:26**
